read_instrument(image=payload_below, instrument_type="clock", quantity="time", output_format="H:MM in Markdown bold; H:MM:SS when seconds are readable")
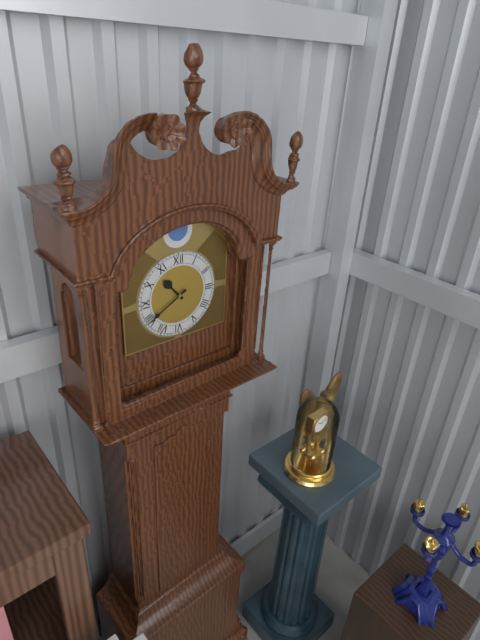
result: **10:40**
